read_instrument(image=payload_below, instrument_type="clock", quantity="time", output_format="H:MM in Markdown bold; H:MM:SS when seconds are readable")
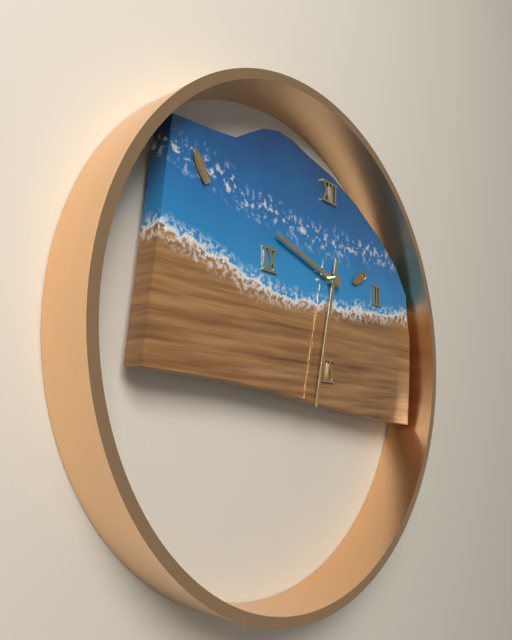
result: **9:32**
